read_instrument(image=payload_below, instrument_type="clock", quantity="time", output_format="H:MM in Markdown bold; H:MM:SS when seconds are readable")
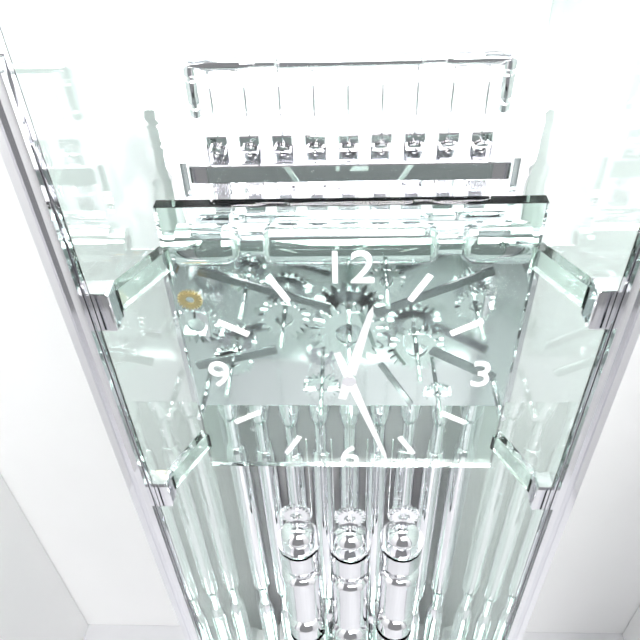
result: **12:27**
